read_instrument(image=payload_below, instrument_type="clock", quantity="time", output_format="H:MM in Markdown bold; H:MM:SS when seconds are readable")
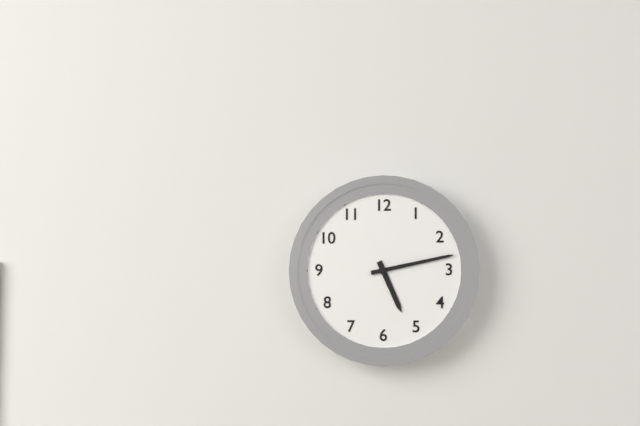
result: **5:13**
